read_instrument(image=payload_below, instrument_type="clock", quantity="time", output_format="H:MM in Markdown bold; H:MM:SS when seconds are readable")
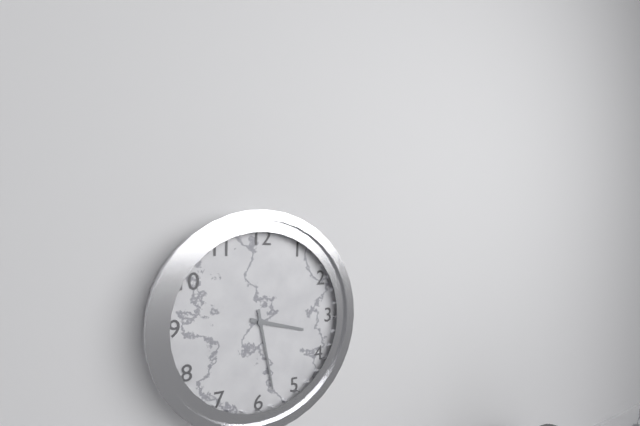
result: **3:28**
